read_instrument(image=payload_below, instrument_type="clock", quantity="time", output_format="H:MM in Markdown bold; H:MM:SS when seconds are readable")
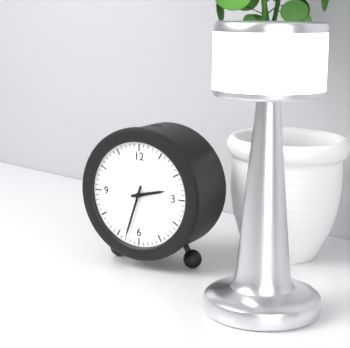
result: **2:33**
